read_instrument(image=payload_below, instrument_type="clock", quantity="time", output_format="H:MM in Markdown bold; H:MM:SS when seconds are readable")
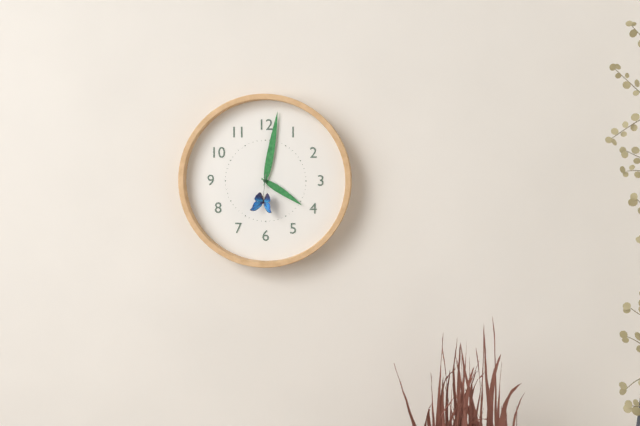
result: **4:02**
